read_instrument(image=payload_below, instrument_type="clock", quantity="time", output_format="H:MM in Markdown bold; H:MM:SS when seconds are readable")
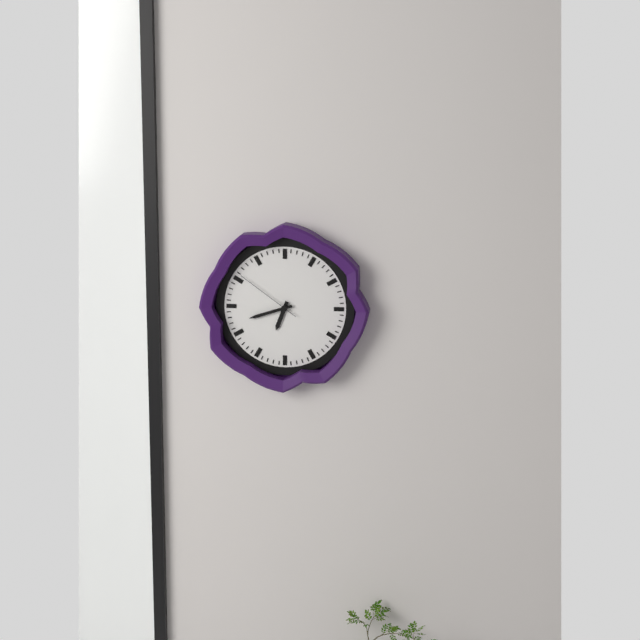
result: **6:42:51**
